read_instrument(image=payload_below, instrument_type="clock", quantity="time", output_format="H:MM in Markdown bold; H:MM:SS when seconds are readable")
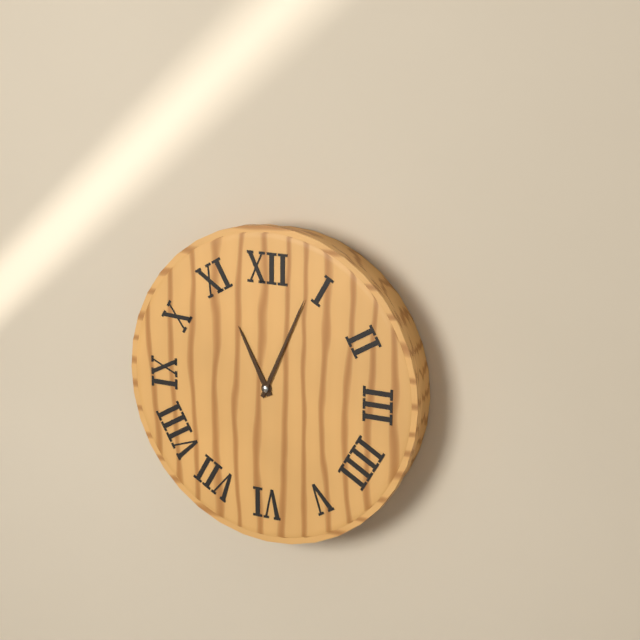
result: **11:04**
